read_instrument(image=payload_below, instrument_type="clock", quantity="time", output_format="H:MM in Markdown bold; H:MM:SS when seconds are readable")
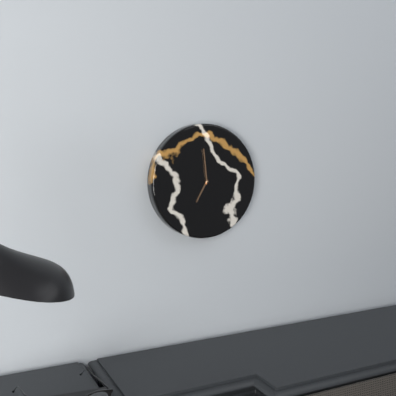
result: **6:59**
